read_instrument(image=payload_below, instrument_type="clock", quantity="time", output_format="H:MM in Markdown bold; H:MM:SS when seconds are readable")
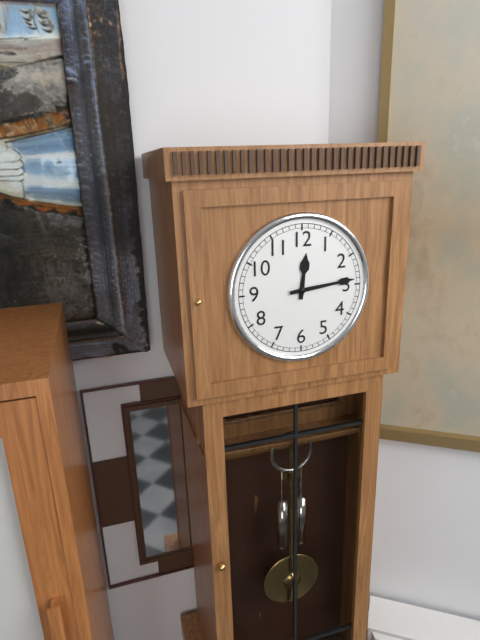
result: **12:14**
